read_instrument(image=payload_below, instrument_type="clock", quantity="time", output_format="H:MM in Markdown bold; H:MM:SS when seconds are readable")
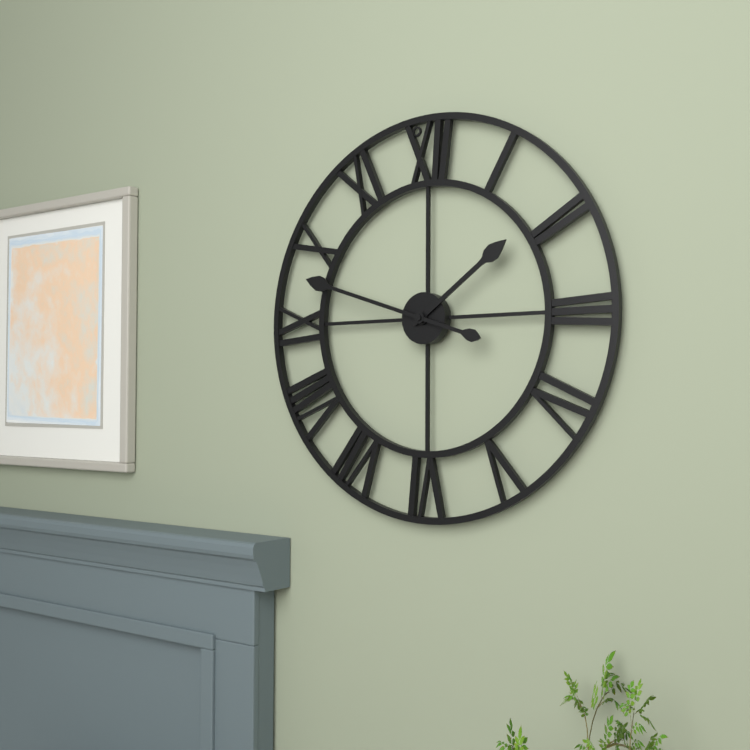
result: **1:48**
